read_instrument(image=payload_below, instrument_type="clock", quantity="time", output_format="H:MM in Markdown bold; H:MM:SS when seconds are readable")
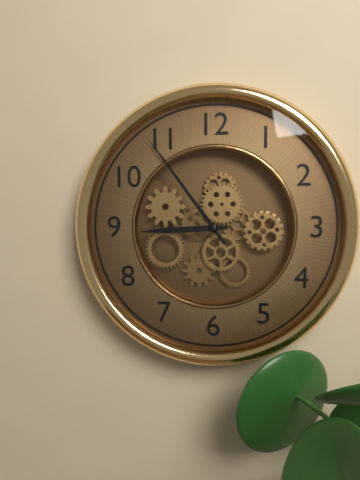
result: **8:54**
